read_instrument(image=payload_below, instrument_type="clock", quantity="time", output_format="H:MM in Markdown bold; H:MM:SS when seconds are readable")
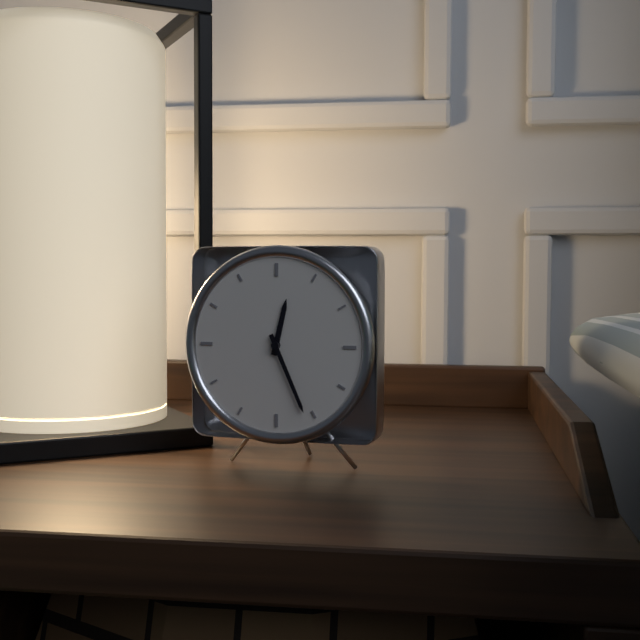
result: **12:26**
